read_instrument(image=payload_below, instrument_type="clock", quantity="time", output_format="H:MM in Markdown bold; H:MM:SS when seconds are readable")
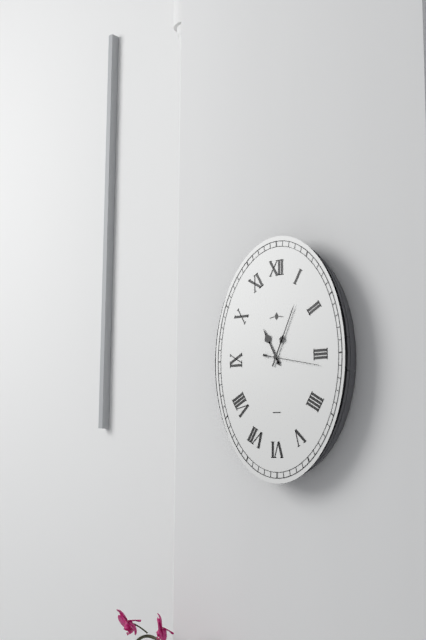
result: **11:04:17**
